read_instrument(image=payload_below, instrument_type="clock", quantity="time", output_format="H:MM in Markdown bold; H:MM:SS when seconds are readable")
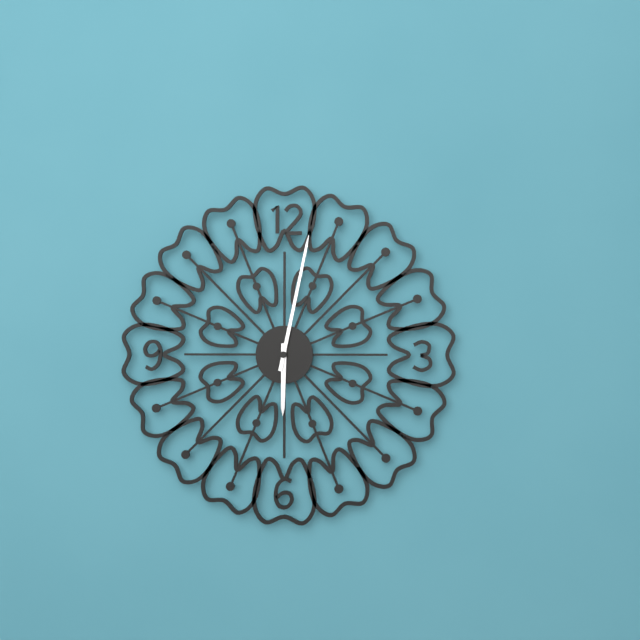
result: **6:02**
